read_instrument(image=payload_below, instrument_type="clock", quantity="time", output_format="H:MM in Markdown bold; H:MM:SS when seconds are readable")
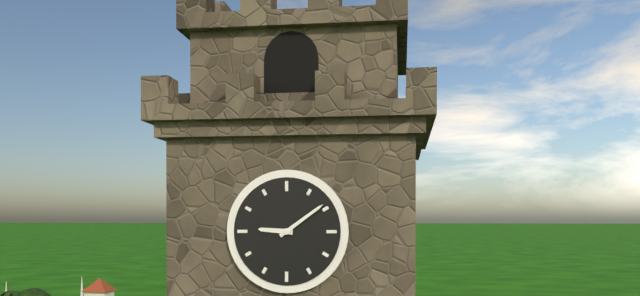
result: **9:09**
